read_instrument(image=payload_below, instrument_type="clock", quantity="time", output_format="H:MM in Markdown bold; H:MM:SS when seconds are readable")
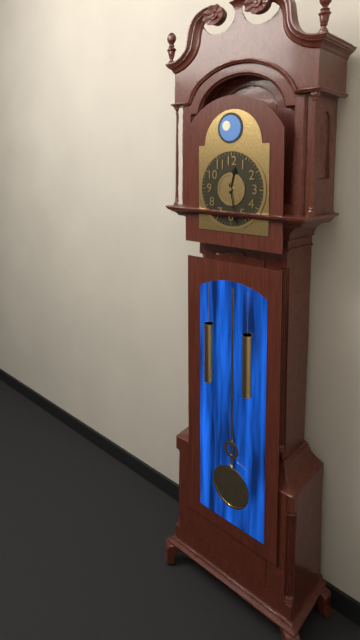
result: **12:28**
